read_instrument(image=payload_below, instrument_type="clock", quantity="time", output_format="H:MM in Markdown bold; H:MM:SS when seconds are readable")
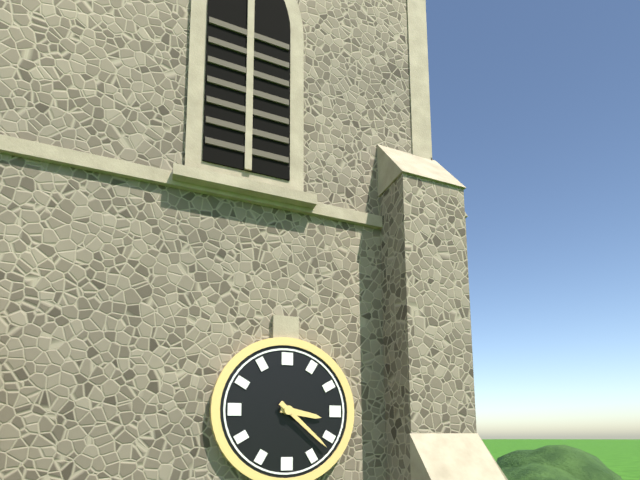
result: **3:22**
